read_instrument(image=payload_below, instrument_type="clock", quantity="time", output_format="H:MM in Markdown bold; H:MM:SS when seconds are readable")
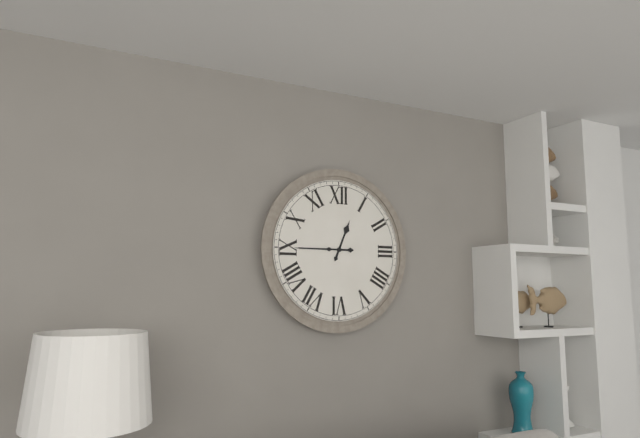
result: **12:45**
